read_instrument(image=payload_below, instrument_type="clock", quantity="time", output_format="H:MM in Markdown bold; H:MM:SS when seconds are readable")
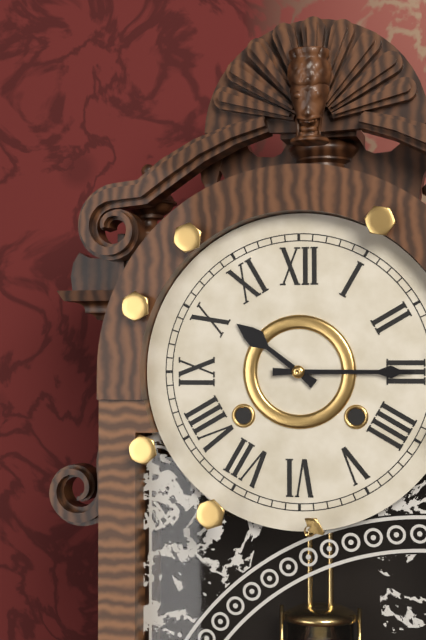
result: **10:15**
